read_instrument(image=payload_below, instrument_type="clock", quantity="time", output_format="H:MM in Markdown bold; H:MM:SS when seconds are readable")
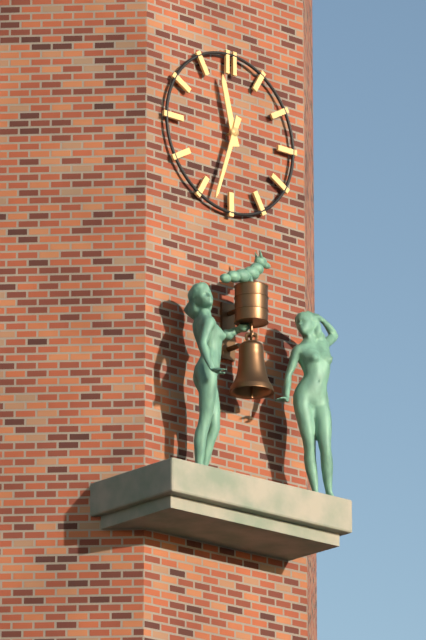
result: **11:33**
